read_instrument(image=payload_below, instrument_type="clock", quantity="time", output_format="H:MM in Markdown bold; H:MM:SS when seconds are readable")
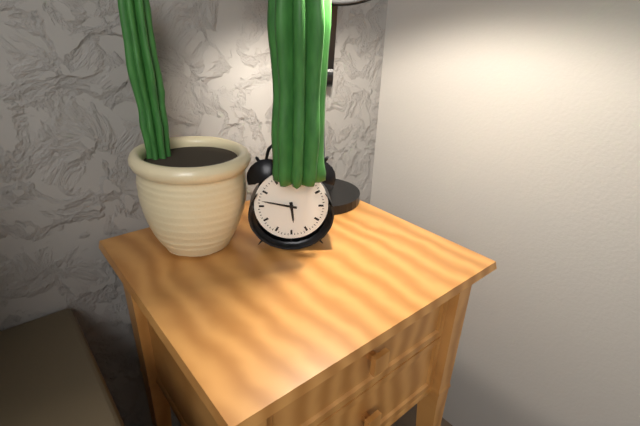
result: **5:47**
